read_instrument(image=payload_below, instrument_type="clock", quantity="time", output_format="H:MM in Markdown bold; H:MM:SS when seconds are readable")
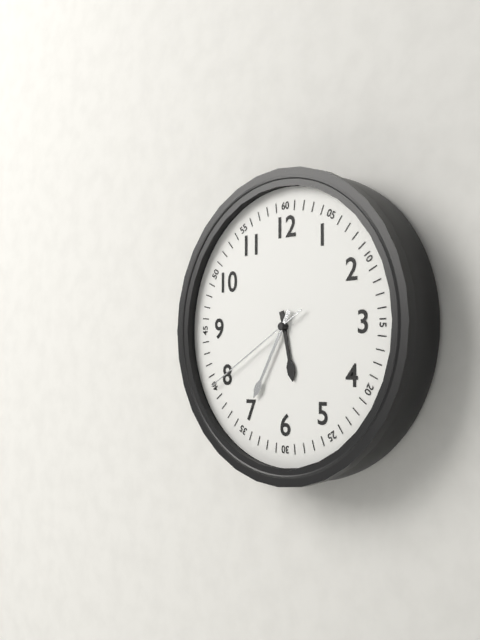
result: **5:35:40**
